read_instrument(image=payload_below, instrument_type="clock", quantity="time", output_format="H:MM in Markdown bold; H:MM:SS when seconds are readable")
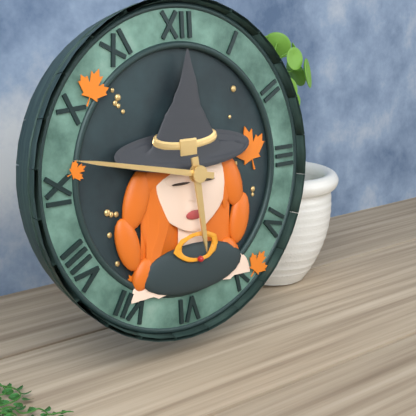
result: **5:47**
